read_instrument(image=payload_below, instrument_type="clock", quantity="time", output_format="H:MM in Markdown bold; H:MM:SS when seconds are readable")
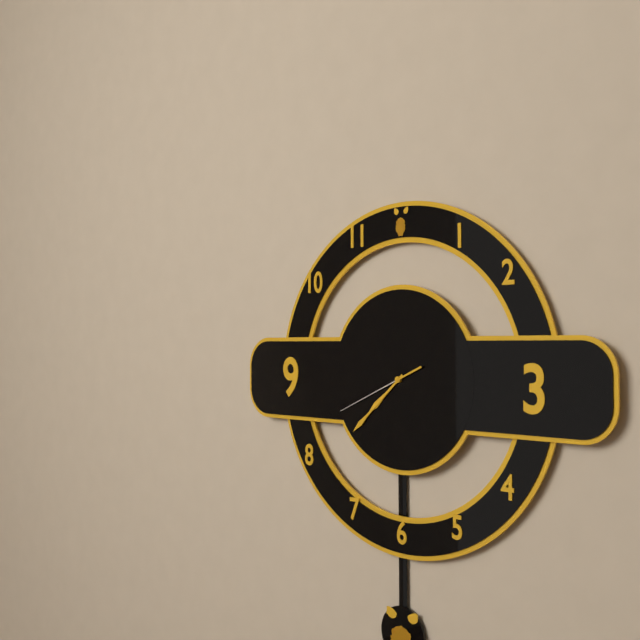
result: **7:38:41**
